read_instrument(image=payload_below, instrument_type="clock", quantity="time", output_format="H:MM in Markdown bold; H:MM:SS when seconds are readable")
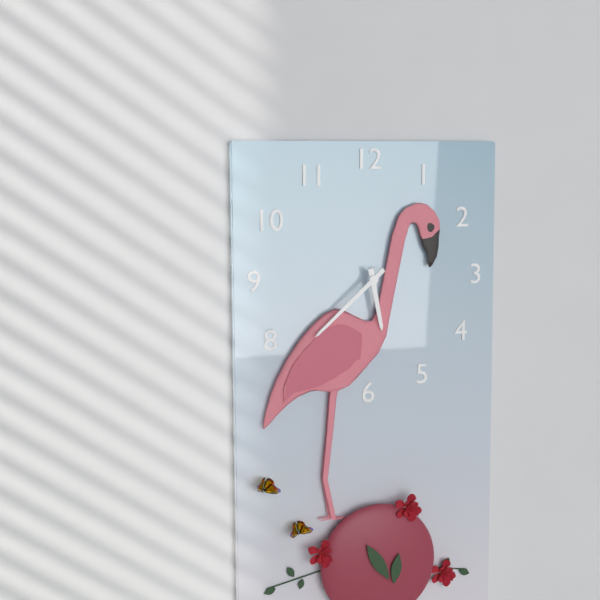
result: **5:38**
